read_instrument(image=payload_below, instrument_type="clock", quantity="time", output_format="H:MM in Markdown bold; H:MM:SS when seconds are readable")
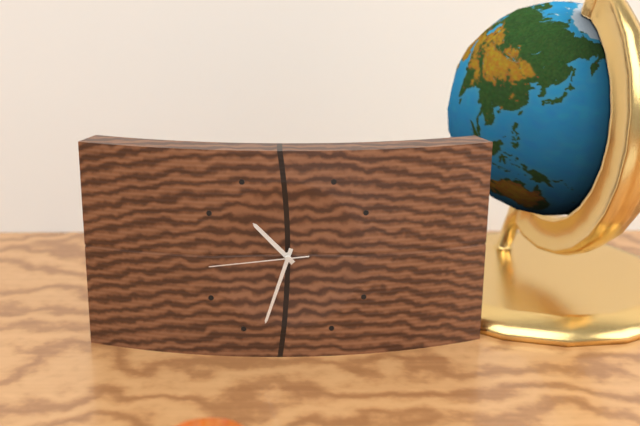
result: **10:33:44**
